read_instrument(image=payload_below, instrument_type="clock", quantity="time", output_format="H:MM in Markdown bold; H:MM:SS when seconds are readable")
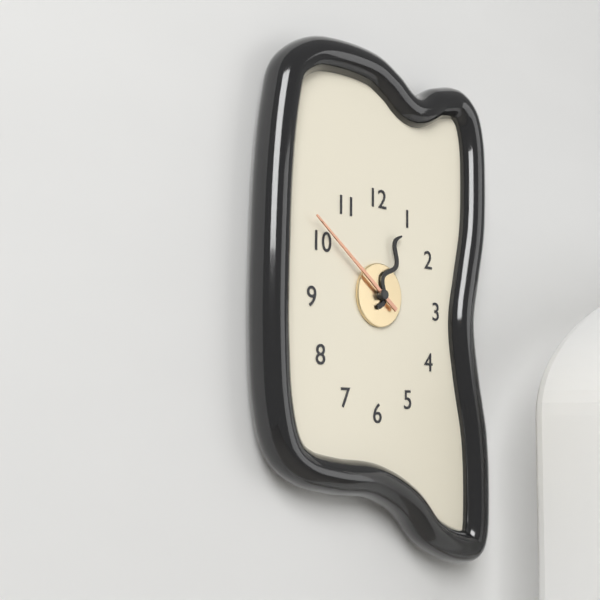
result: **12:51**
